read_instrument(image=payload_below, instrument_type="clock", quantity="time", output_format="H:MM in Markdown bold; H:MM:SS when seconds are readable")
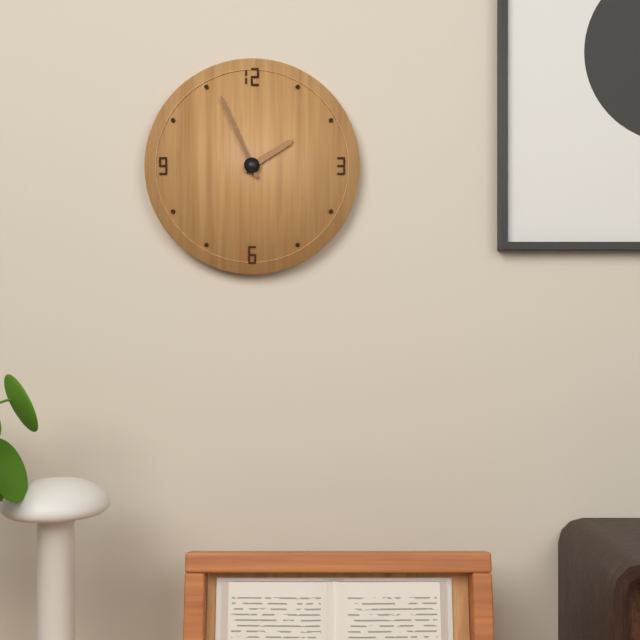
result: **1:56**
